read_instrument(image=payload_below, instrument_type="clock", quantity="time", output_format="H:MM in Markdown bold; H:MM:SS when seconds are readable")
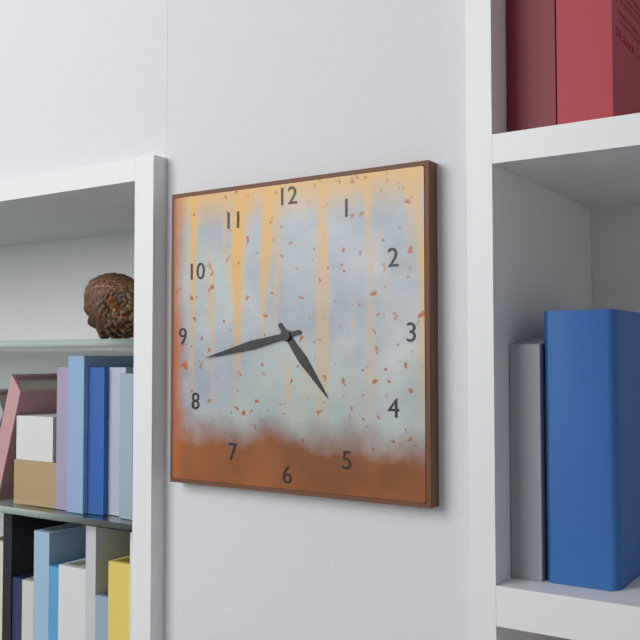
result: **4:43**
